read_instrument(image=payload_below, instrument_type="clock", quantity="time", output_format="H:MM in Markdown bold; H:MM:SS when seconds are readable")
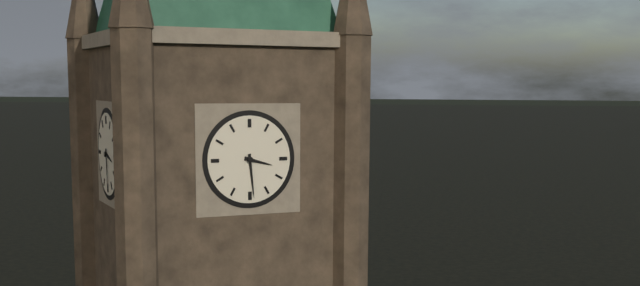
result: **3:29**
